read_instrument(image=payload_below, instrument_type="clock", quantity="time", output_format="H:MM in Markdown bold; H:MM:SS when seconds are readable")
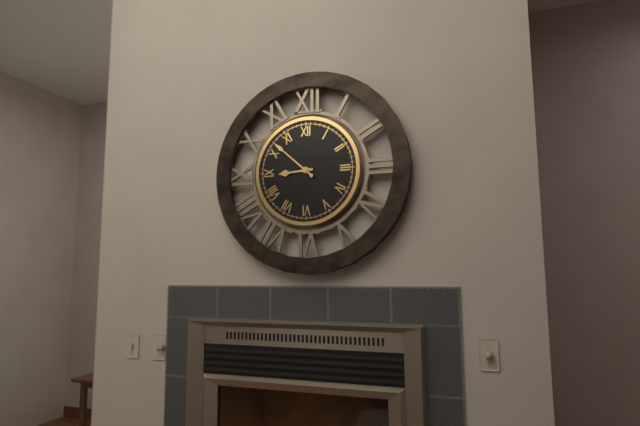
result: **8:52**
